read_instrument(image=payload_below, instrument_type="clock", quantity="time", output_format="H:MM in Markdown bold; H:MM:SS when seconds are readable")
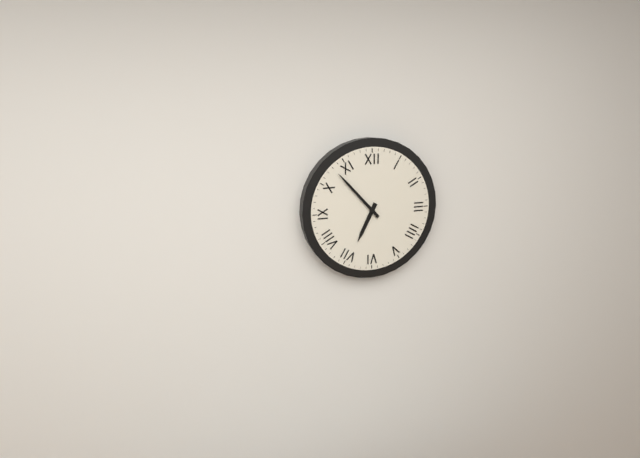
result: **6:53**
